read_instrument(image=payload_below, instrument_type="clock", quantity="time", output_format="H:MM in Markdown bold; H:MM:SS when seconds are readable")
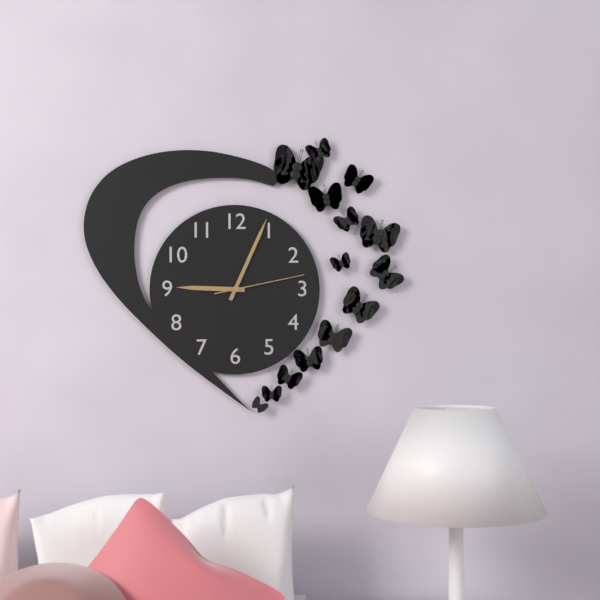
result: **9:04:13**
